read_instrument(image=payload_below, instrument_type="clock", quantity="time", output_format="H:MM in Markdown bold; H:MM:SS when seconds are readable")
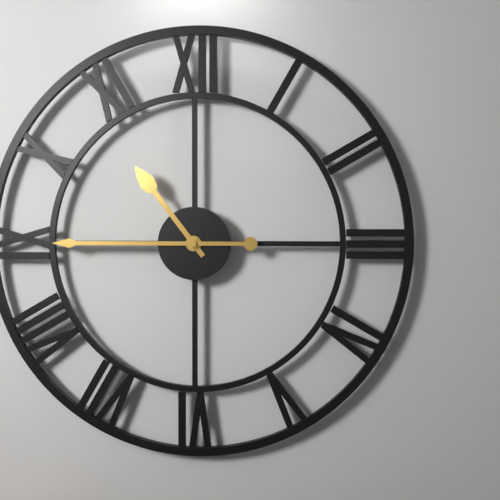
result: **10:45**
